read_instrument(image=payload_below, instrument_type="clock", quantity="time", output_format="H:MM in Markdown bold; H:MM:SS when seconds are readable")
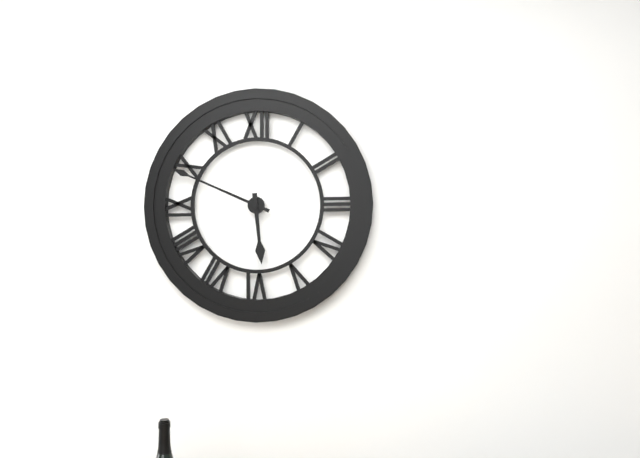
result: **5:49**
